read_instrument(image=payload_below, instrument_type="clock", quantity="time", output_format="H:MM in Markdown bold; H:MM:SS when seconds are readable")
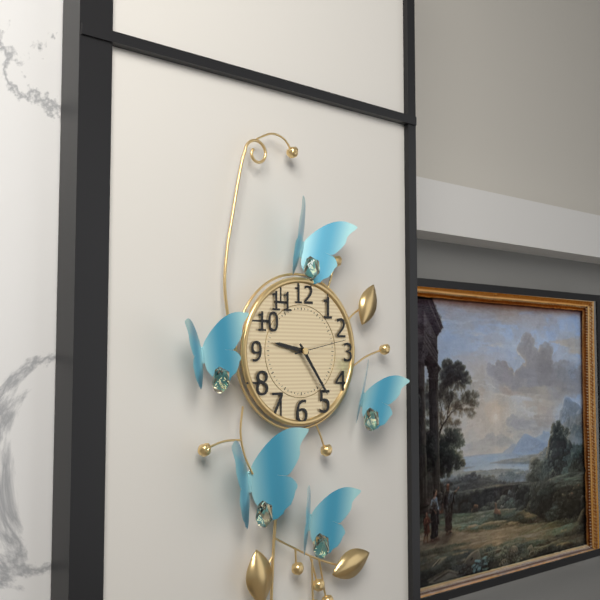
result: **9:24:13**
